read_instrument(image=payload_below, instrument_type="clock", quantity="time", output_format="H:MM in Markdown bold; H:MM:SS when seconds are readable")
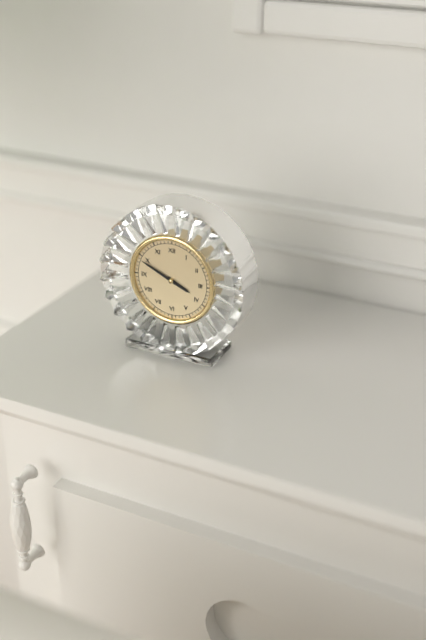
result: **3:49**
